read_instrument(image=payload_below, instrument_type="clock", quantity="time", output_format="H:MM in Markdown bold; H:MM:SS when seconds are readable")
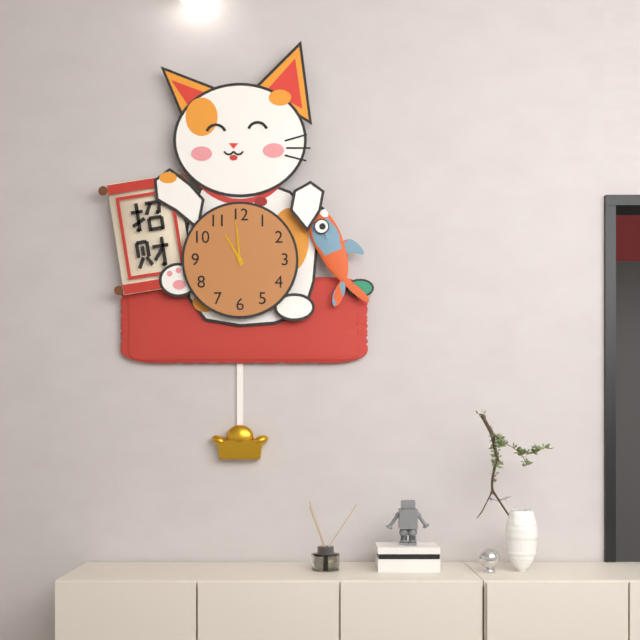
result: **10:59**
